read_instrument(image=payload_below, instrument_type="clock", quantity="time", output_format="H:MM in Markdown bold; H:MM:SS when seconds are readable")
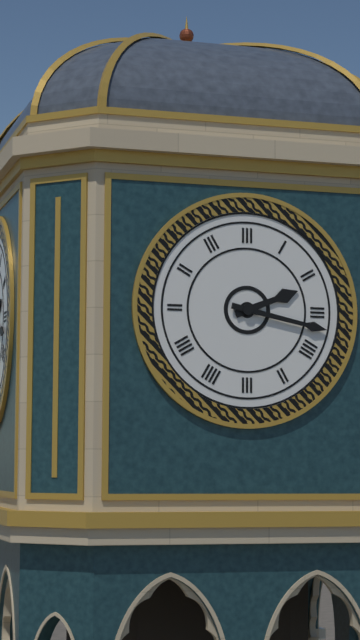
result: **2:17**
